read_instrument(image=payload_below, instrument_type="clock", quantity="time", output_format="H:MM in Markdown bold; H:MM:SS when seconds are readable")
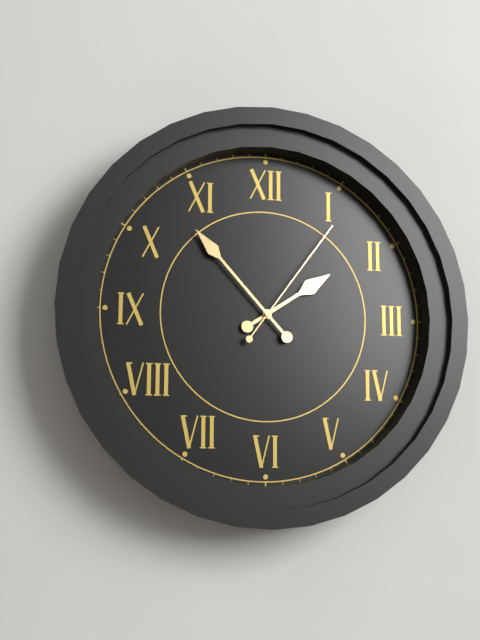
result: **1:53:06**
